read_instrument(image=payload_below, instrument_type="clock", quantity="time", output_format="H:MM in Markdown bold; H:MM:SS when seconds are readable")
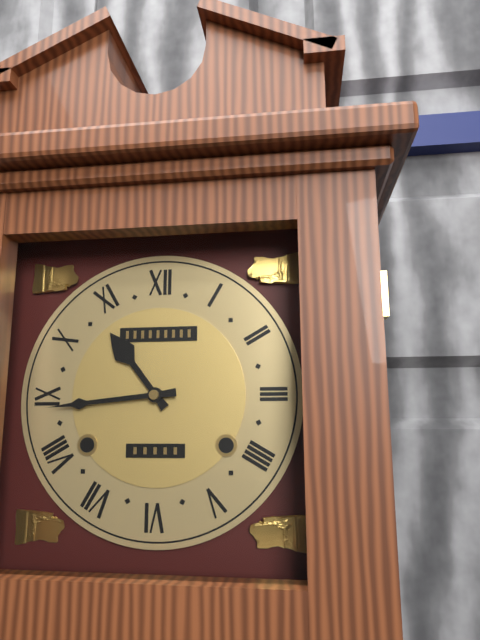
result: **10:44**
